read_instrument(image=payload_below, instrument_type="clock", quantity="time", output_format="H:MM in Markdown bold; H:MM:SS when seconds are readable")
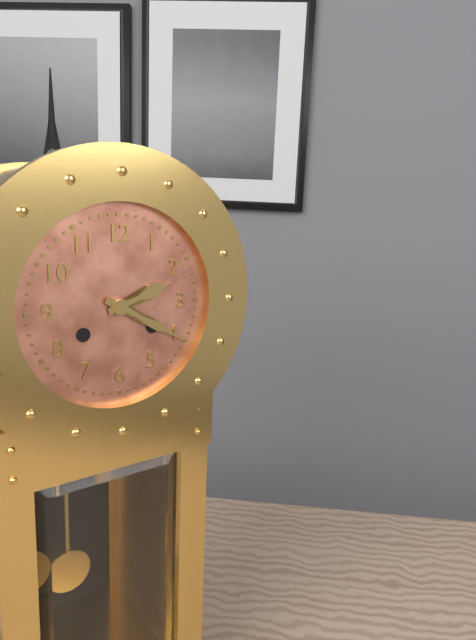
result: **2:20**
